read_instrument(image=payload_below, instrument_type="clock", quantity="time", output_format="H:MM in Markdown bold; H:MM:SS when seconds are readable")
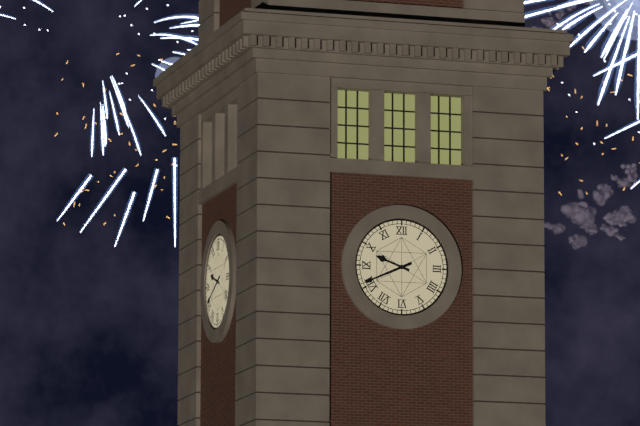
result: **9:41**
